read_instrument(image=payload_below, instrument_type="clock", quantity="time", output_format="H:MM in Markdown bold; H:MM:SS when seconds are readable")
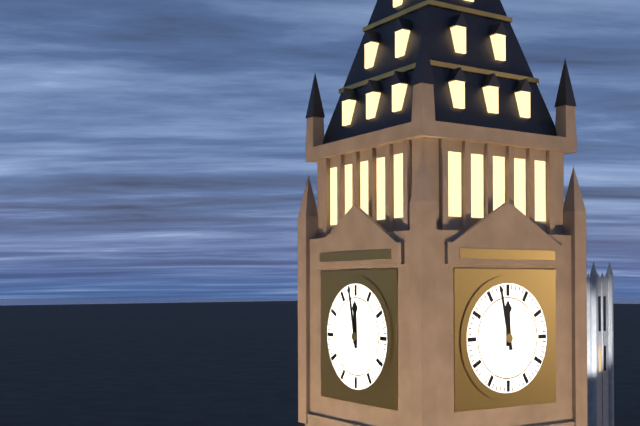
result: **11:58**
